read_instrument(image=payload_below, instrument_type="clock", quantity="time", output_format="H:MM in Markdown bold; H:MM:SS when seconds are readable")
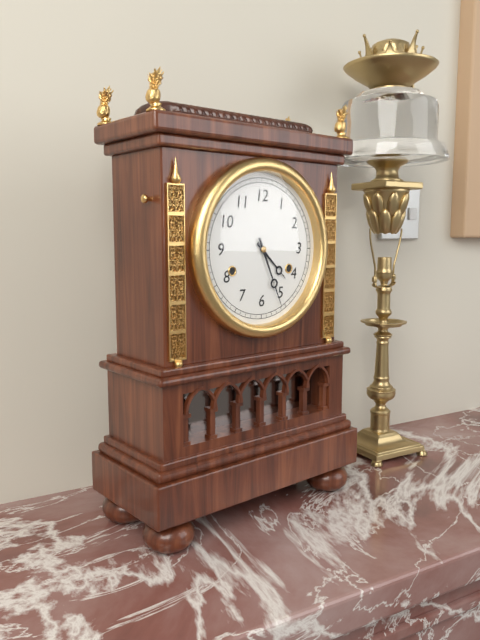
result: **4:26**
